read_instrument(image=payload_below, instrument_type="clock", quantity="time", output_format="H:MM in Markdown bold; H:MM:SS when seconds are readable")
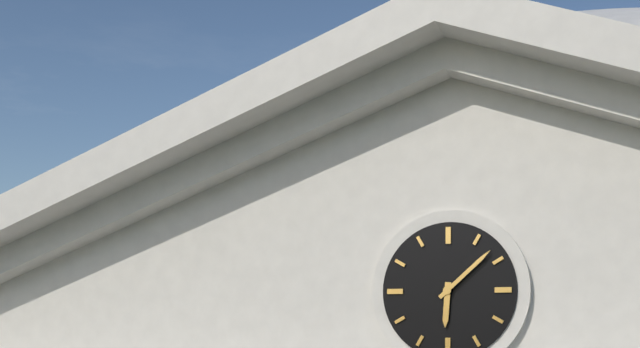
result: **6:08**
